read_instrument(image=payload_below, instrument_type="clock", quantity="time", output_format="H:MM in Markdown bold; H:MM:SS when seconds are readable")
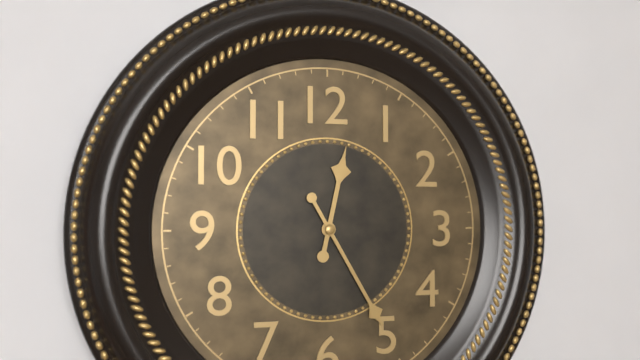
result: **12:25**
